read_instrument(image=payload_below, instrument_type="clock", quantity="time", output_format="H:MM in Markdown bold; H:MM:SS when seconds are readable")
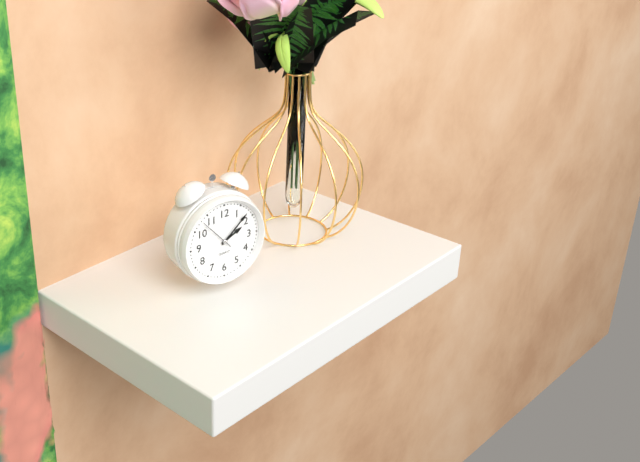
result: **2:08**
